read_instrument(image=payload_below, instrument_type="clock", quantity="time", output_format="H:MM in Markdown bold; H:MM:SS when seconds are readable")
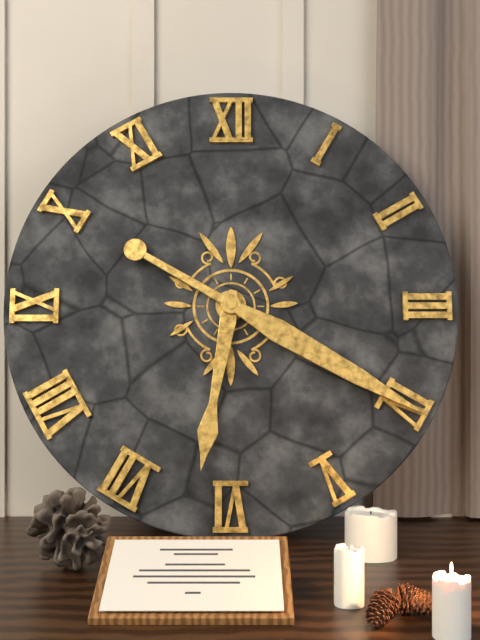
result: **6:20**
